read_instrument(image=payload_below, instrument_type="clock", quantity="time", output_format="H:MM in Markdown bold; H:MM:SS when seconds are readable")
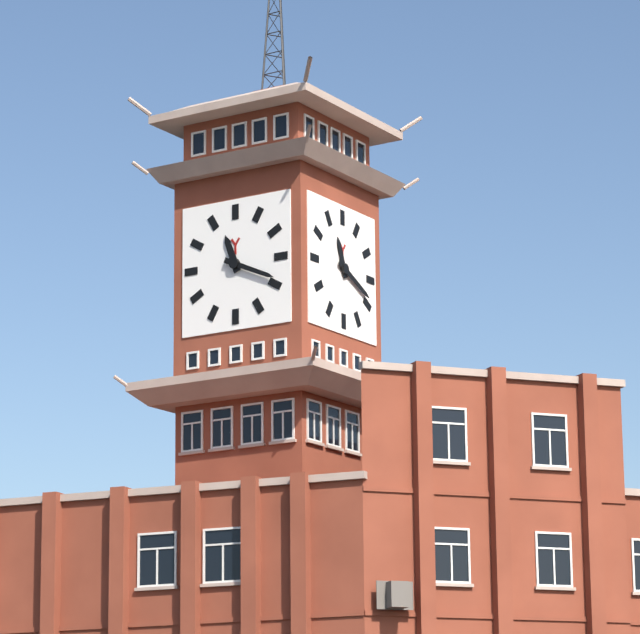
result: **11:19**
